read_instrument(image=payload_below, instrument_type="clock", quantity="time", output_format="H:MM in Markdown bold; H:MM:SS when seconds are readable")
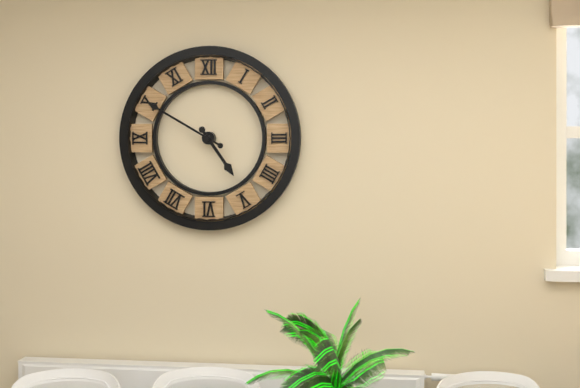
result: **4:50**
